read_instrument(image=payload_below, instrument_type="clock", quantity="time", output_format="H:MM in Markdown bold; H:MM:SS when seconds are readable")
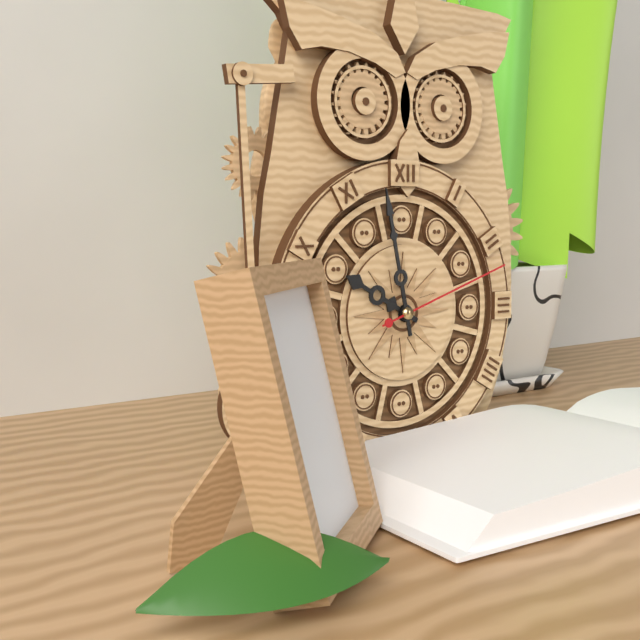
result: **9:58:12**
